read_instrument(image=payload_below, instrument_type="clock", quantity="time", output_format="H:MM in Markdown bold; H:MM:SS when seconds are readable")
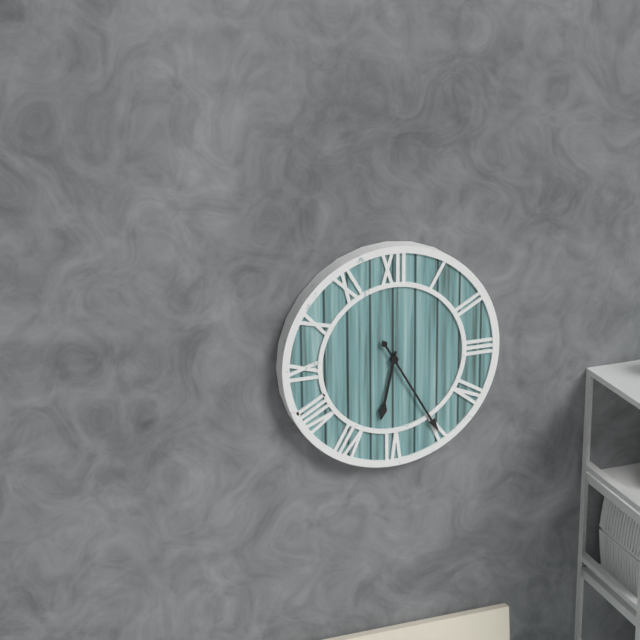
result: **6:25**
